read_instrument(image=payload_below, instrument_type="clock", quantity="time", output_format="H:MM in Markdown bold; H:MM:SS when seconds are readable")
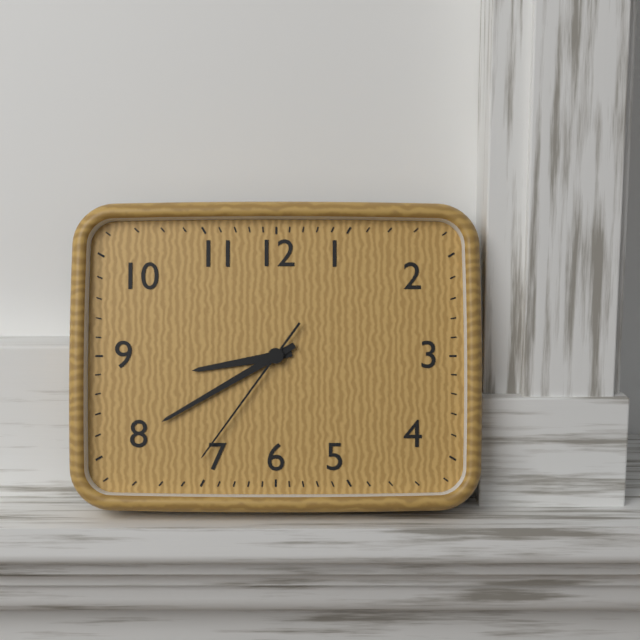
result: **8:40:36**
